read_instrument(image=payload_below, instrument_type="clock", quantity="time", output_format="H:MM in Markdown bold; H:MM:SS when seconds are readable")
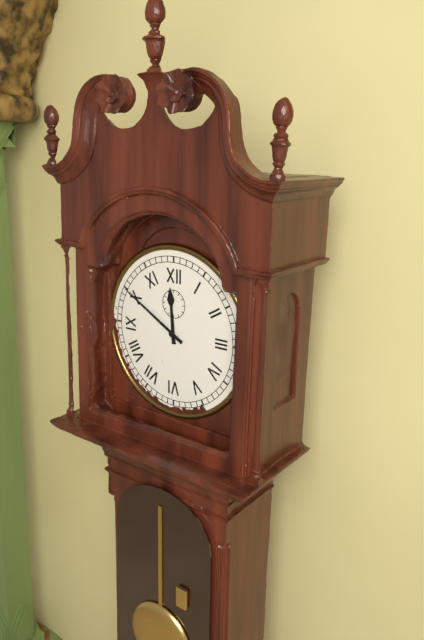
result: **11:50**
